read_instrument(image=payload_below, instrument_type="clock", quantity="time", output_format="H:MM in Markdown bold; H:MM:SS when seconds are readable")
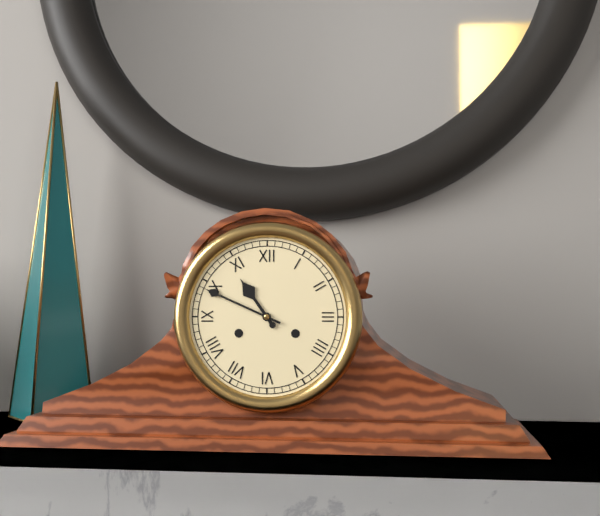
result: **10:49**
